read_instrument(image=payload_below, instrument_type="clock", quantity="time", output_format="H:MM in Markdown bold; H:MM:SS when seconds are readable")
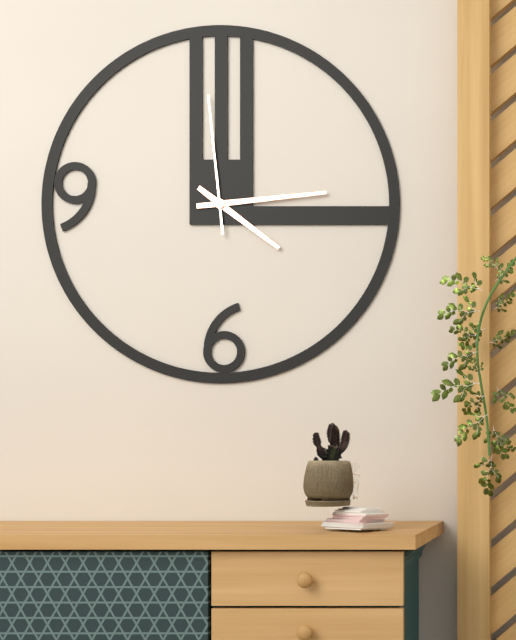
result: **4:14:59**
